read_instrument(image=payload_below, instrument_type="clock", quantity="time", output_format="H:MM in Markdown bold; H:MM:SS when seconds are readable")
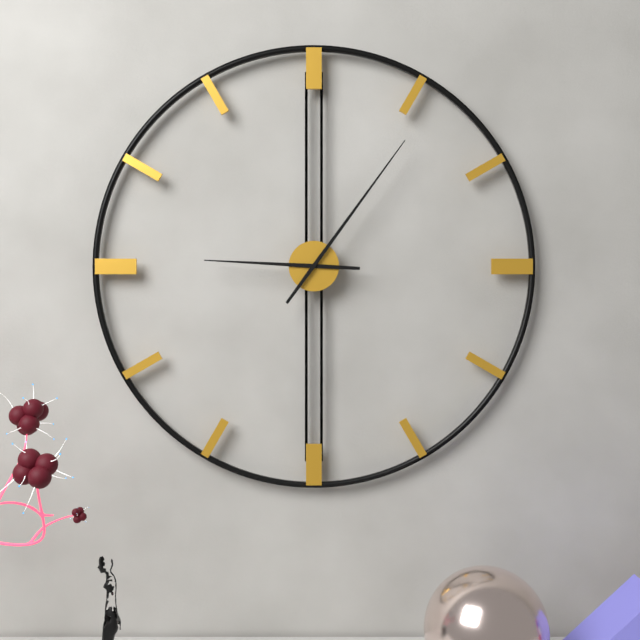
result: **9:06**
